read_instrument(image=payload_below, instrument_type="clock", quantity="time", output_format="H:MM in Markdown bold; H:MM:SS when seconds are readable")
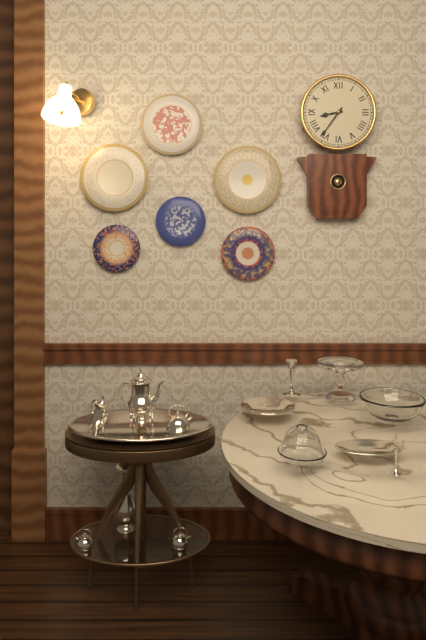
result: **8:36**
